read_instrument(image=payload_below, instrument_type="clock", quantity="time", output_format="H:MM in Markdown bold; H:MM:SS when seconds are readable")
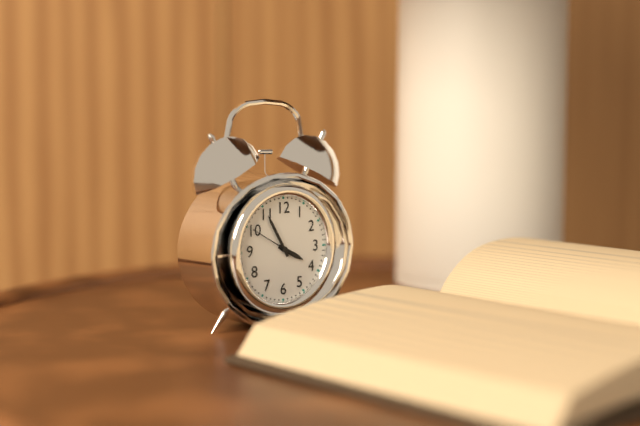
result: **3:55**
